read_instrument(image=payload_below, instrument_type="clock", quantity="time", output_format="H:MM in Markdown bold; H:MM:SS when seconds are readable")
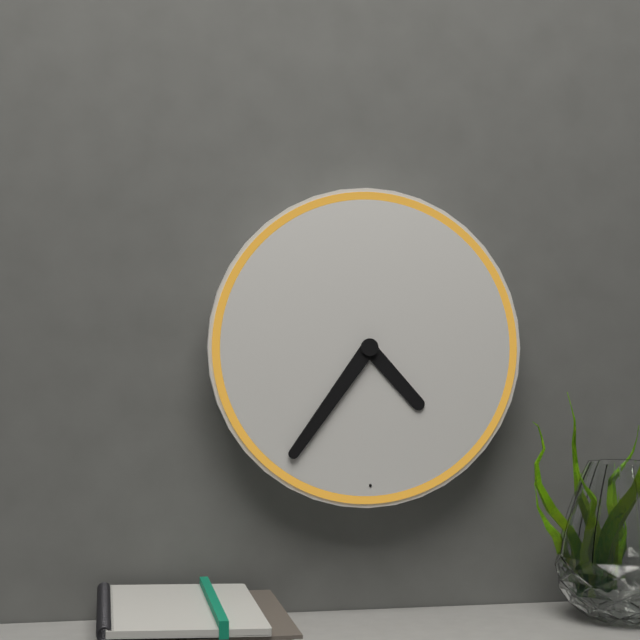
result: **4:36**
